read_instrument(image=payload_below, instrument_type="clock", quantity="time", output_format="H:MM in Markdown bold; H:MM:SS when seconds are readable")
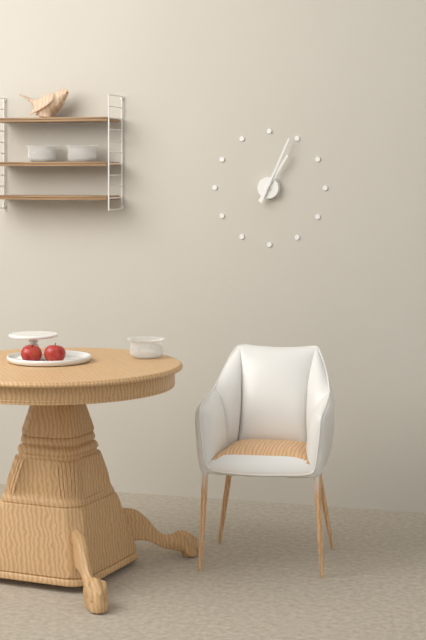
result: **1:04**
